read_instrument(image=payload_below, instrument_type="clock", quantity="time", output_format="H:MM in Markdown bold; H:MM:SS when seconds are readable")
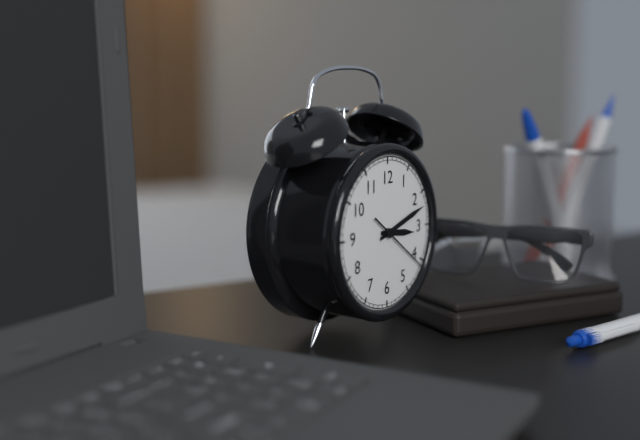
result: **3:12:21**
